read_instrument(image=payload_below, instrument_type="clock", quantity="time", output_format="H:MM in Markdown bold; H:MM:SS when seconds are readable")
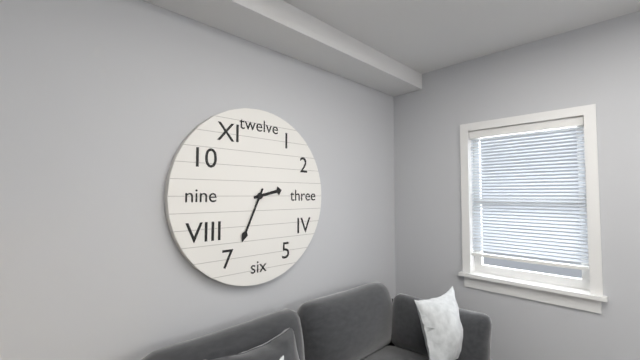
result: **2:34**
